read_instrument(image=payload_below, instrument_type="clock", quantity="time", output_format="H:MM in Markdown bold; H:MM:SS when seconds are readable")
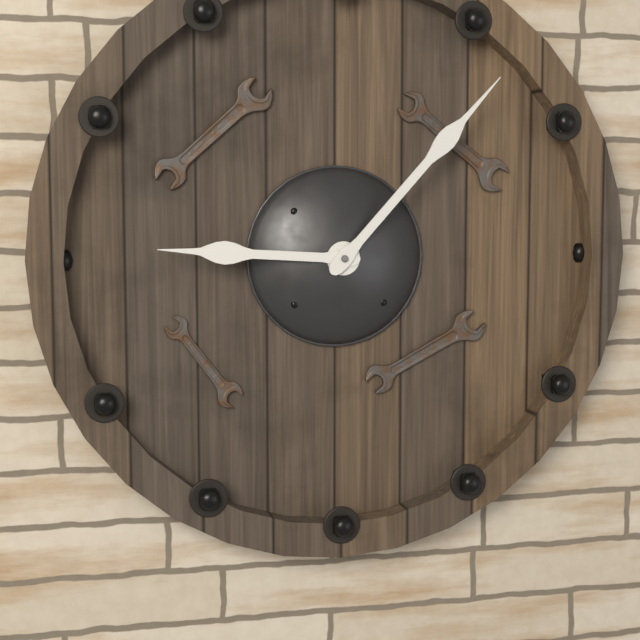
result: **9:07**
